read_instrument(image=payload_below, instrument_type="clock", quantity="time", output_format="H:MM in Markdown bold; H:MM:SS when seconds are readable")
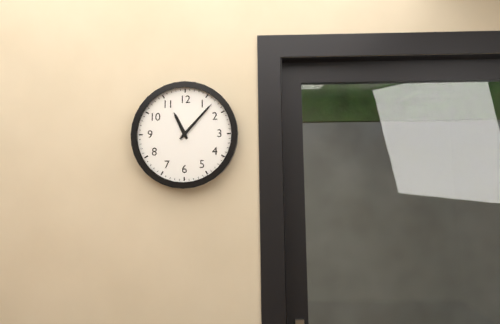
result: **11:07**
